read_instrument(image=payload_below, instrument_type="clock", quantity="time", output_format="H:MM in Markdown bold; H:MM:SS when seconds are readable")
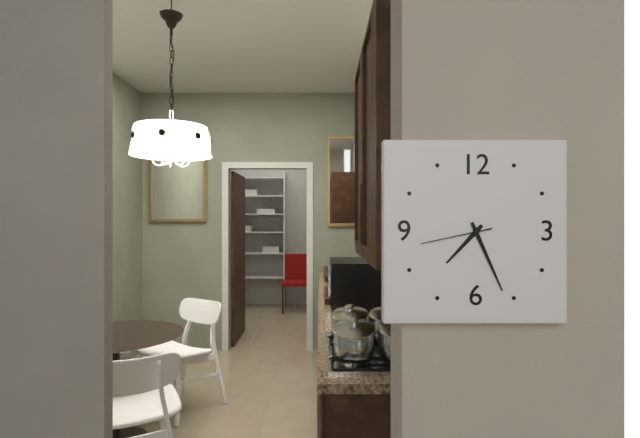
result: **7:26:43**
